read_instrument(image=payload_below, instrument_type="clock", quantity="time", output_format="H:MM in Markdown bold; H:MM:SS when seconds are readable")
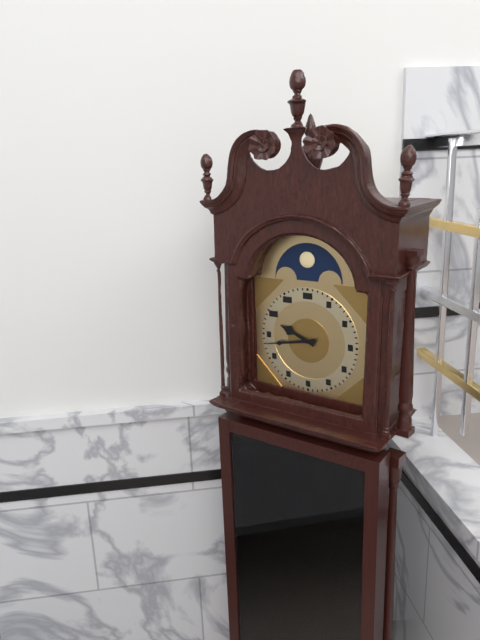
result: **9:43**
